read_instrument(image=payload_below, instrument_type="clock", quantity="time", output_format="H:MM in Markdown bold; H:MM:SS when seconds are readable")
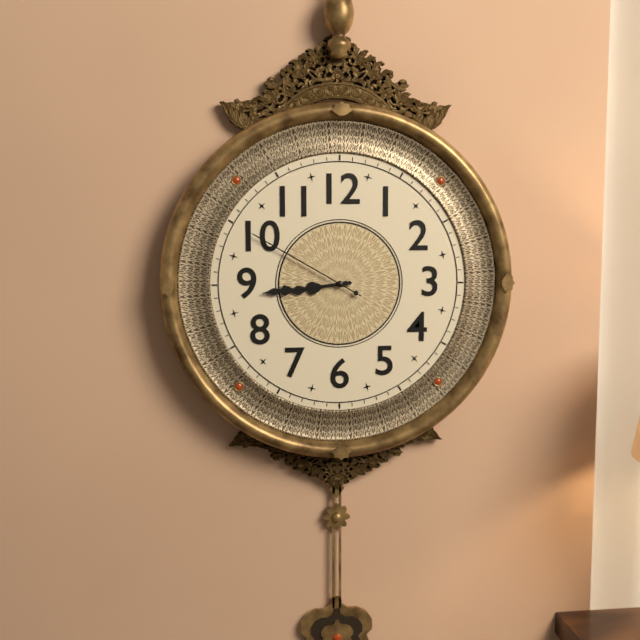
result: **8:44:50**
